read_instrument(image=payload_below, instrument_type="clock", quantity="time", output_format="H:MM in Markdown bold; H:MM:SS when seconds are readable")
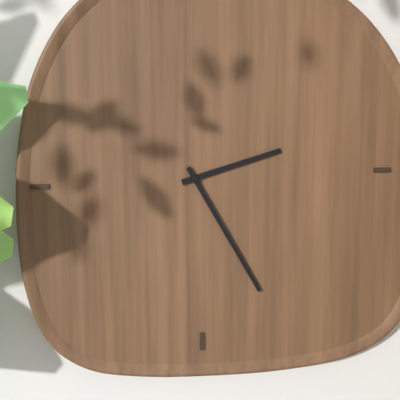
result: **2:25**
